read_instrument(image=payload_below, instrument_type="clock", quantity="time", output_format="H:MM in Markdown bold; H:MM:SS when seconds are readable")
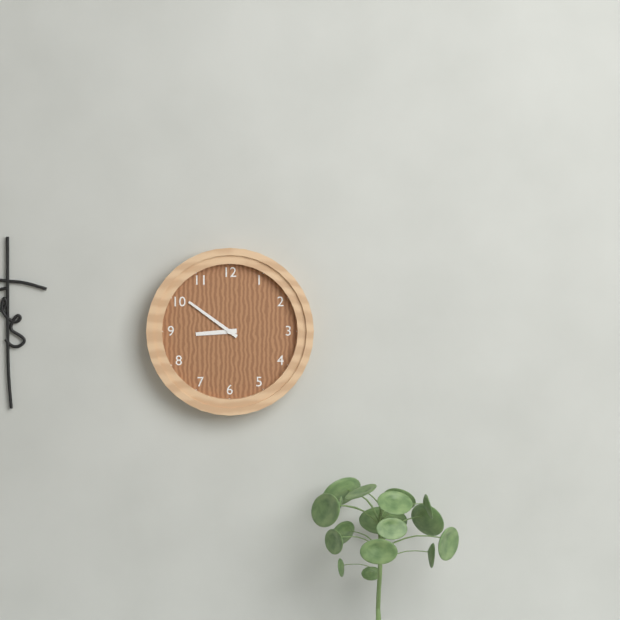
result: **8:51**
